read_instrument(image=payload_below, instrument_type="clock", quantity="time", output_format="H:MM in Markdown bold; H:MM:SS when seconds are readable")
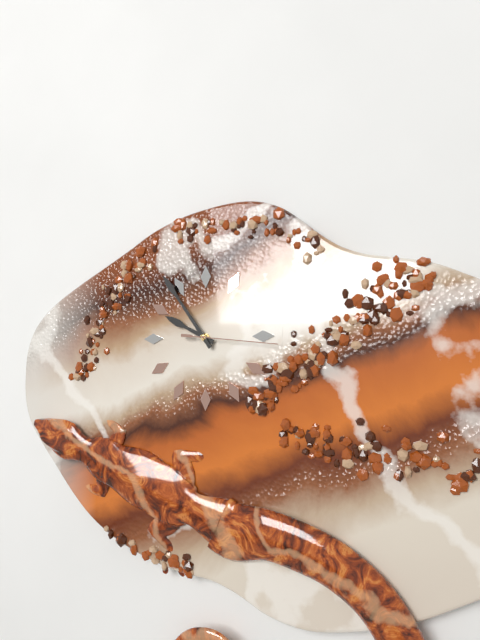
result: **9:54:16**
